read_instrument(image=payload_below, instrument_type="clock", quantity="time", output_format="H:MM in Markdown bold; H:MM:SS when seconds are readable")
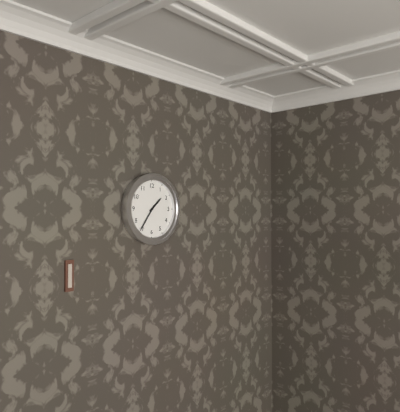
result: **1:36**
